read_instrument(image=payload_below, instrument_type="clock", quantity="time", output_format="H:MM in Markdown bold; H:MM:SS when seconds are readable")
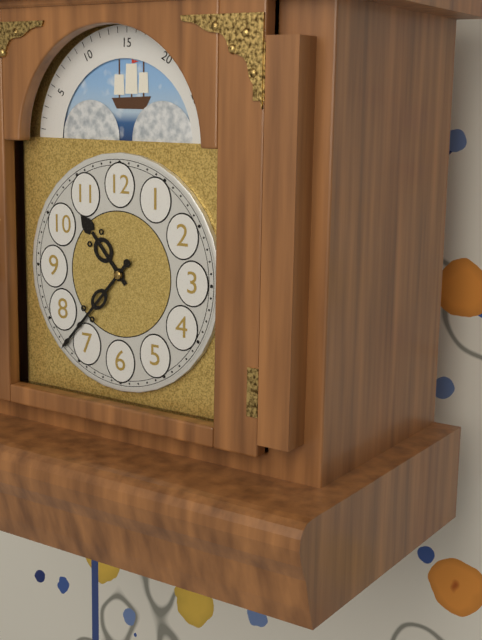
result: **10:37**
